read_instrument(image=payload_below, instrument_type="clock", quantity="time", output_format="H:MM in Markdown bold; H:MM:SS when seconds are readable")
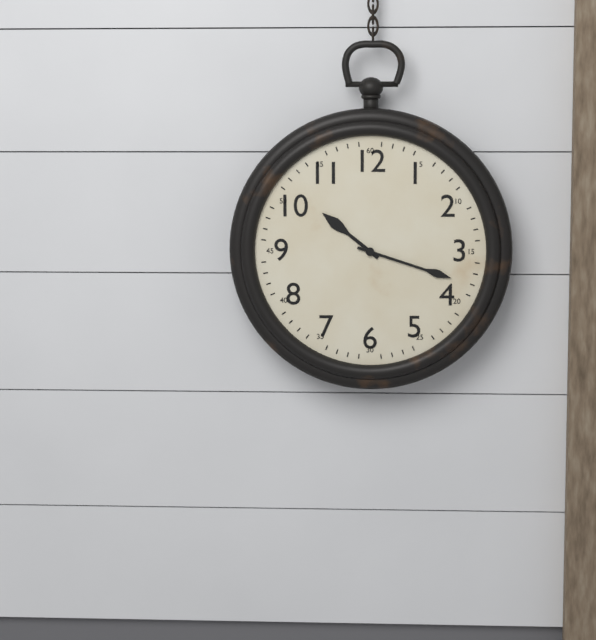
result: **10:18**
